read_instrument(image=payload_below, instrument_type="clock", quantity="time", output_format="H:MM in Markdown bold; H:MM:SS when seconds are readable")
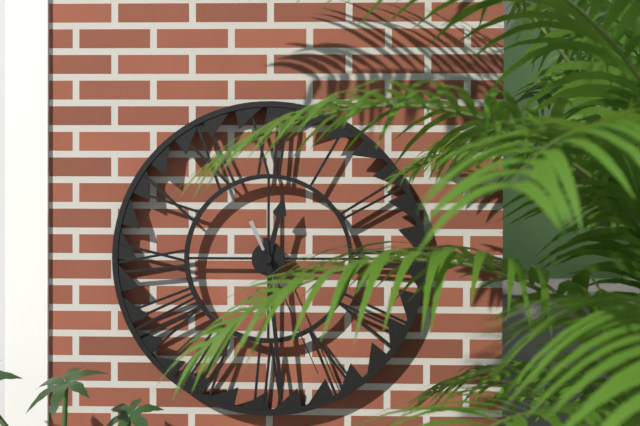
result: **12:29:26**
